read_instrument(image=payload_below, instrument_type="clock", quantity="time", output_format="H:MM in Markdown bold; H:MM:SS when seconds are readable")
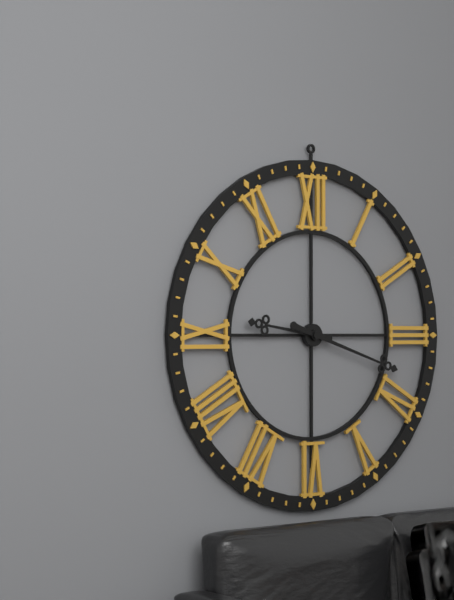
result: **9:18**
